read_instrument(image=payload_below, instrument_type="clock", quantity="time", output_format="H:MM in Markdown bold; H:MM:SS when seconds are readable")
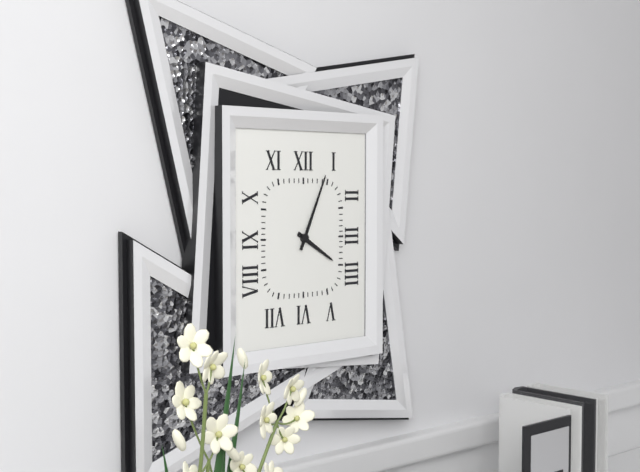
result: **4:04**
